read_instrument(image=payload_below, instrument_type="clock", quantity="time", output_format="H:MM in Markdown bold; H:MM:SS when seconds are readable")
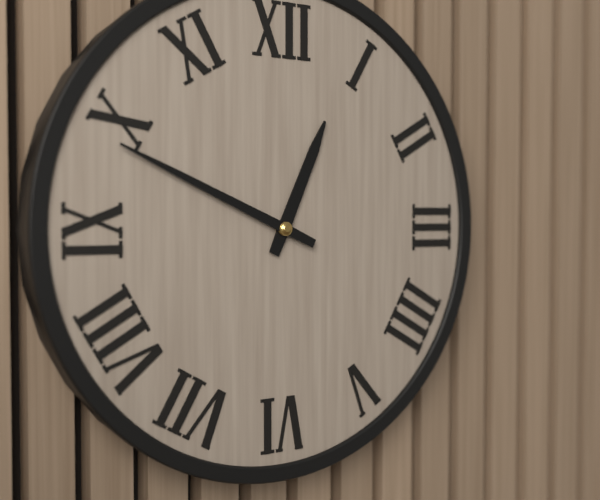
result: **12:49**
